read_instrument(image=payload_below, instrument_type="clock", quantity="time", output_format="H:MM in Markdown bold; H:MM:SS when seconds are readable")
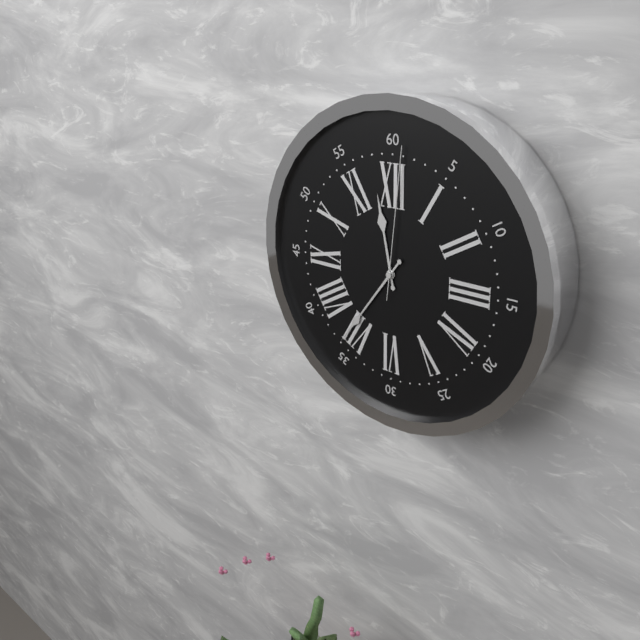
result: **11:36:01**
